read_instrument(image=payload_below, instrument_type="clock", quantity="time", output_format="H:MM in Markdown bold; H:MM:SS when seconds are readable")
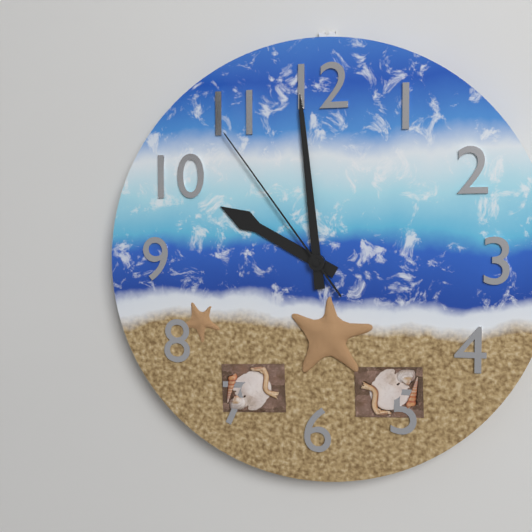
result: **9:59:54**
